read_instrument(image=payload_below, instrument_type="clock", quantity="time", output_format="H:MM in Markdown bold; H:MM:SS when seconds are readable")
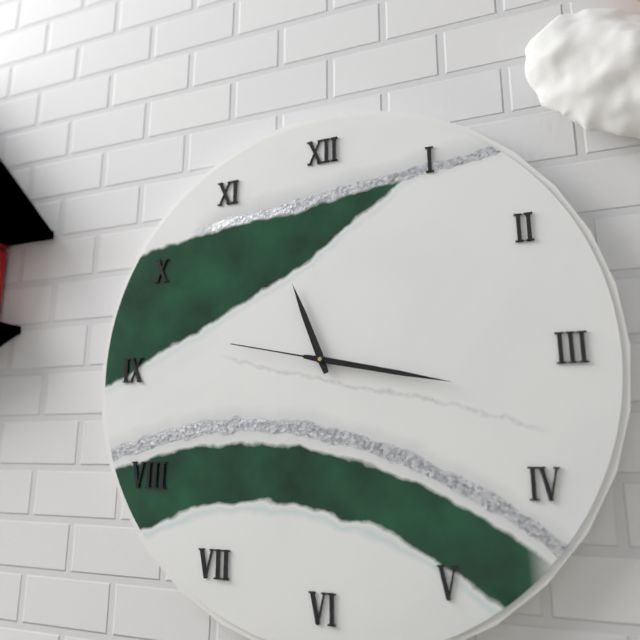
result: **11:17:47**
